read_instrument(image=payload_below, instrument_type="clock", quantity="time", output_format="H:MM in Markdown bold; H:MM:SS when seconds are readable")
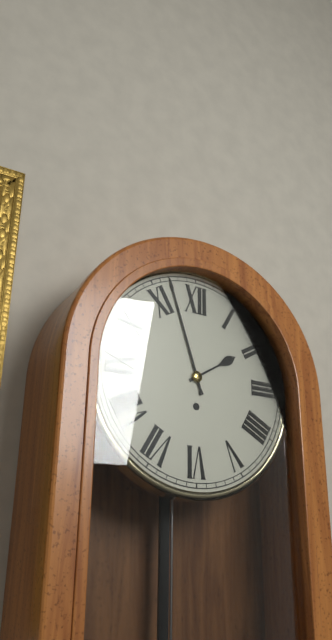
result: **1:57**
